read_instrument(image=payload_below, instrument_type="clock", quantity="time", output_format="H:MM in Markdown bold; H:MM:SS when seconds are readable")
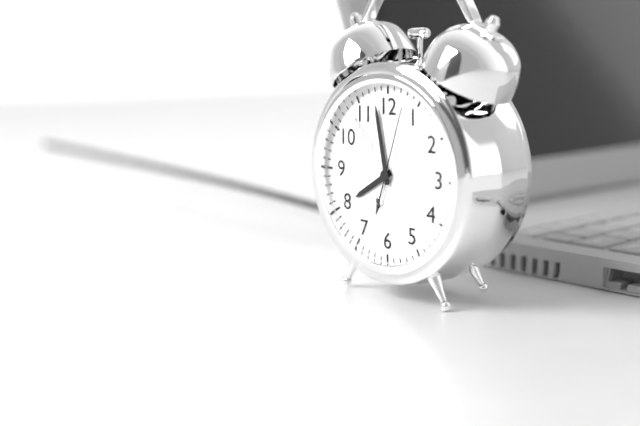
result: **7:58:03**
